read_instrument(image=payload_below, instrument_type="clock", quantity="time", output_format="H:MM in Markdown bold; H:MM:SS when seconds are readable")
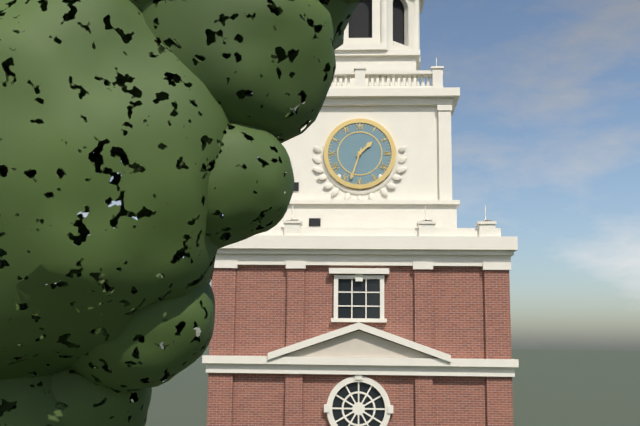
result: **1:33**
